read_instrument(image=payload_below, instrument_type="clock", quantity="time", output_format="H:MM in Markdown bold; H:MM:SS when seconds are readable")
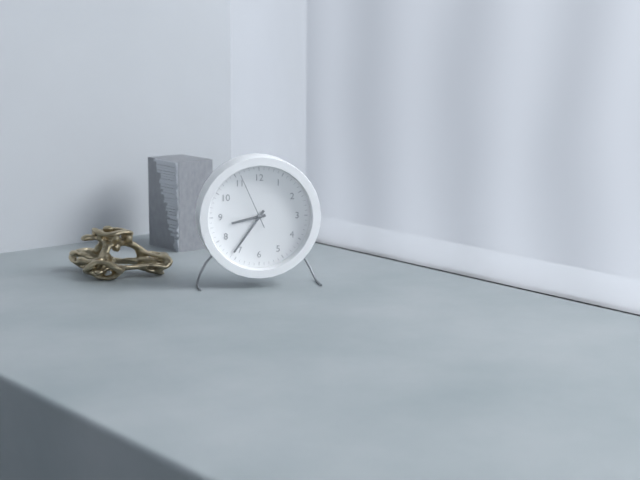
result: **8:36:56**
